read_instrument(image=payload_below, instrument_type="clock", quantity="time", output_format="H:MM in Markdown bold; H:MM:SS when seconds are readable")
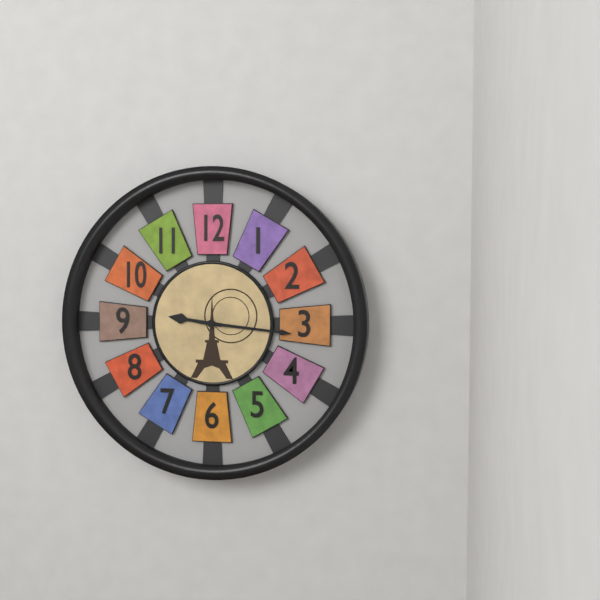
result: **9:16**
